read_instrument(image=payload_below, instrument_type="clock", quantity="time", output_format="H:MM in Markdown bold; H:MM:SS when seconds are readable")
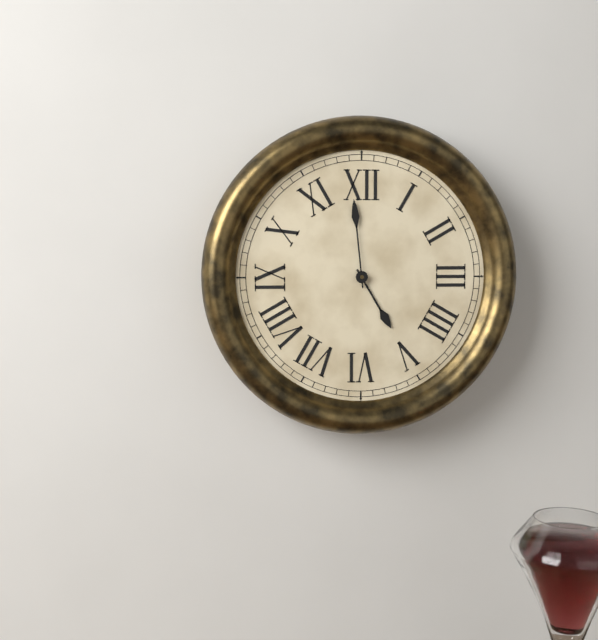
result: **4:59**
